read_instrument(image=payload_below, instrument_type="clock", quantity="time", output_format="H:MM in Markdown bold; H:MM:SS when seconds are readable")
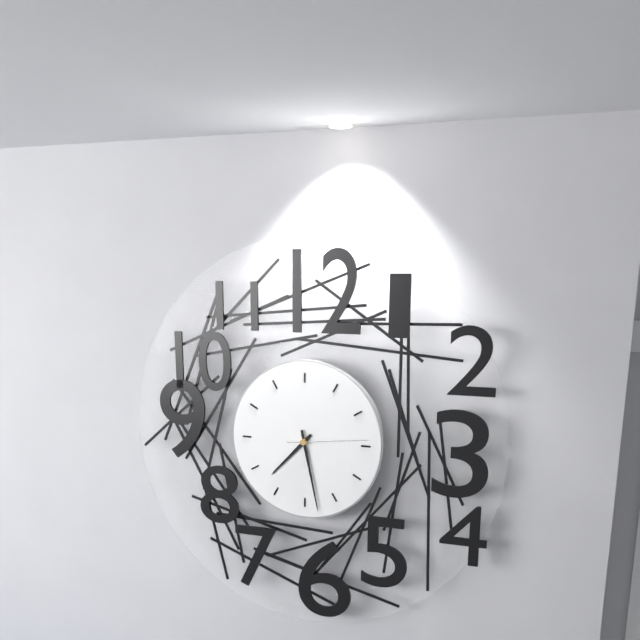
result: **7:28:14**
